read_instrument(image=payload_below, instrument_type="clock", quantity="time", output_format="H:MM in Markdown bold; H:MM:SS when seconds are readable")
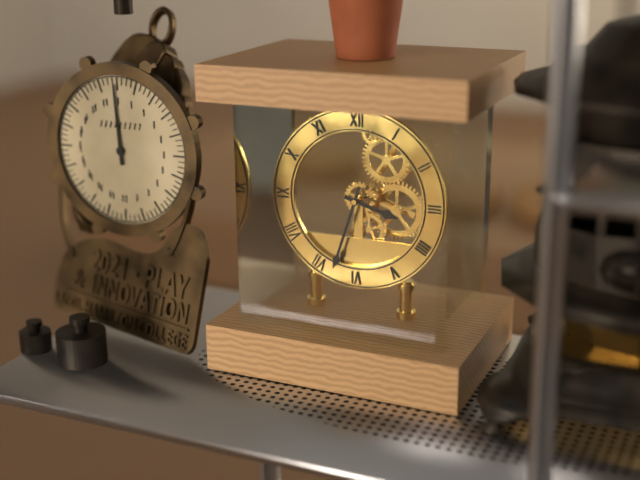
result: **3:33**
